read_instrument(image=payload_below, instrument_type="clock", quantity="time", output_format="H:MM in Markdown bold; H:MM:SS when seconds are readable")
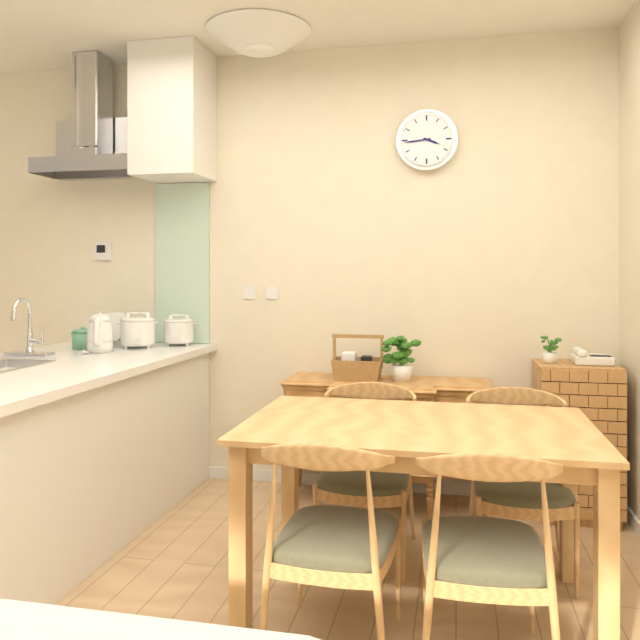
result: **3:44**
